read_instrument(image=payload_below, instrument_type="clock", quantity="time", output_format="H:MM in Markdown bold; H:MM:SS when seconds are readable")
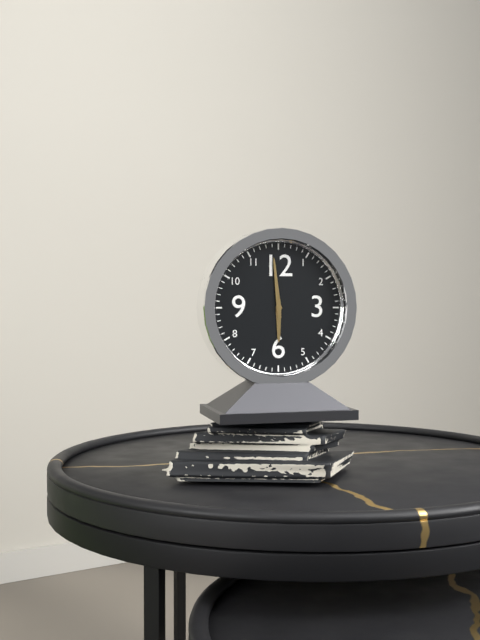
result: **5:59**
